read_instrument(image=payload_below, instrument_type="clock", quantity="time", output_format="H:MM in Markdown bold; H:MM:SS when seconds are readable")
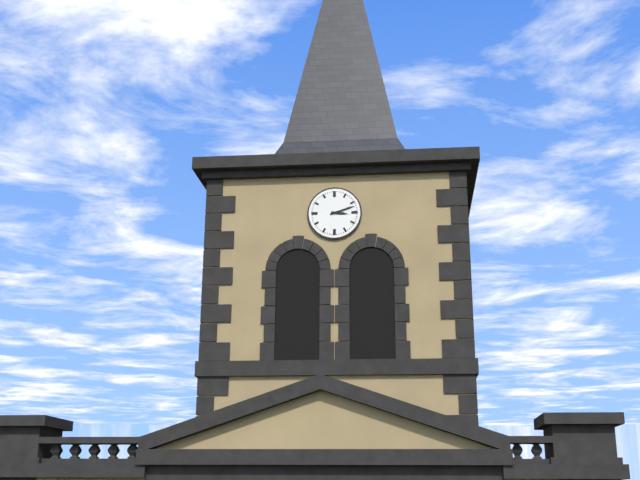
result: **3:12**
